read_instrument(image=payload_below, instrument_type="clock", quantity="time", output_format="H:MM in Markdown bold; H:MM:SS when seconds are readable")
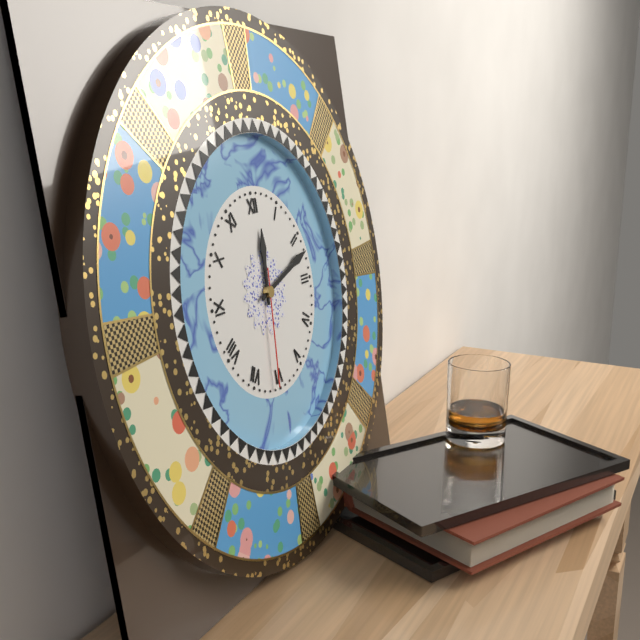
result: **12:12:31**
